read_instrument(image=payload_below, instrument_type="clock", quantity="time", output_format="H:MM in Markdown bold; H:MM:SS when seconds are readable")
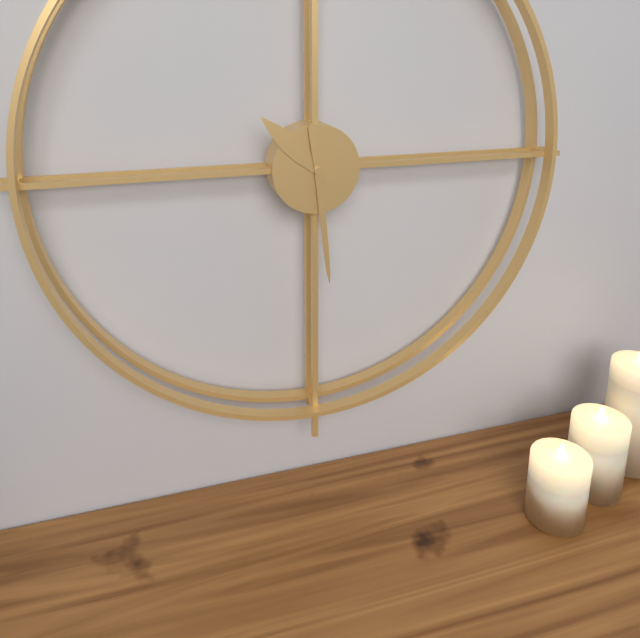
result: **10:29**
